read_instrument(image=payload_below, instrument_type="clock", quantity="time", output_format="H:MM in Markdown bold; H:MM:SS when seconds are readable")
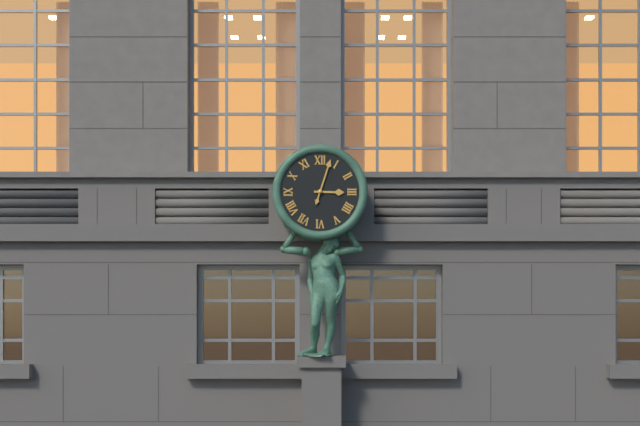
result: **3:03**
